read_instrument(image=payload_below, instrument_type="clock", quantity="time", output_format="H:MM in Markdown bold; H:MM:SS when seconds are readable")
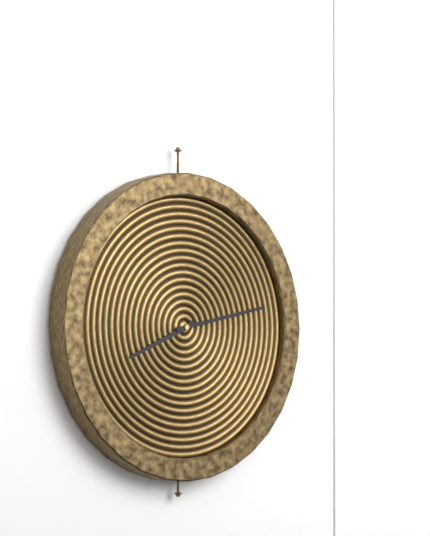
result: **8:13**
